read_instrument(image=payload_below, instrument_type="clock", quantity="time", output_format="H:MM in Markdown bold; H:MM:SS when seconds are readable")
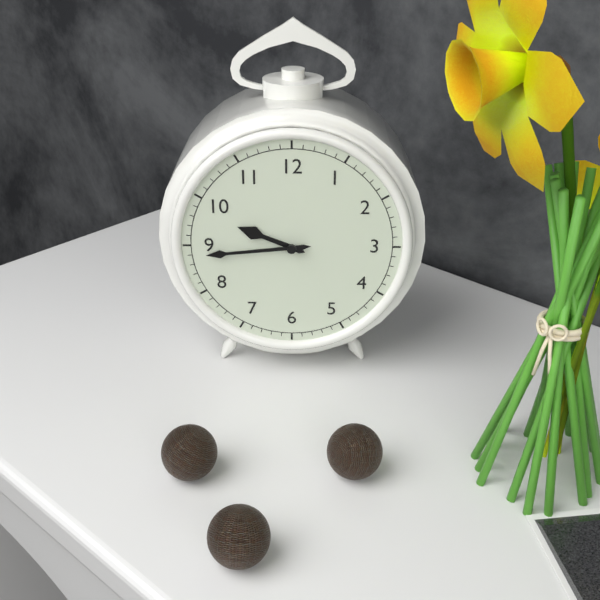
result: **9:44**
